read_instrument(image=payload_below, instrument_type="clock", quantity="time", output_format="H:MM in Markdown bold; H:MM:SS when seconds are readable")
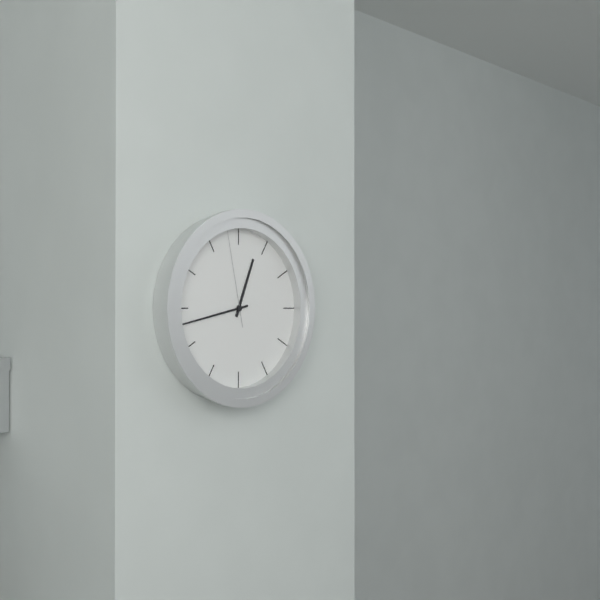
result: **12:43:58**
